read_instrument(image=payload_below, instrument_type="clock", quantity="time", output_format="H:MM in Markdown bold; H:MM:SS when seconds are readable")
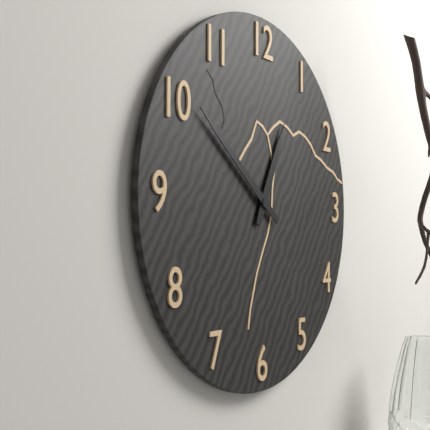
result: **12:51**
